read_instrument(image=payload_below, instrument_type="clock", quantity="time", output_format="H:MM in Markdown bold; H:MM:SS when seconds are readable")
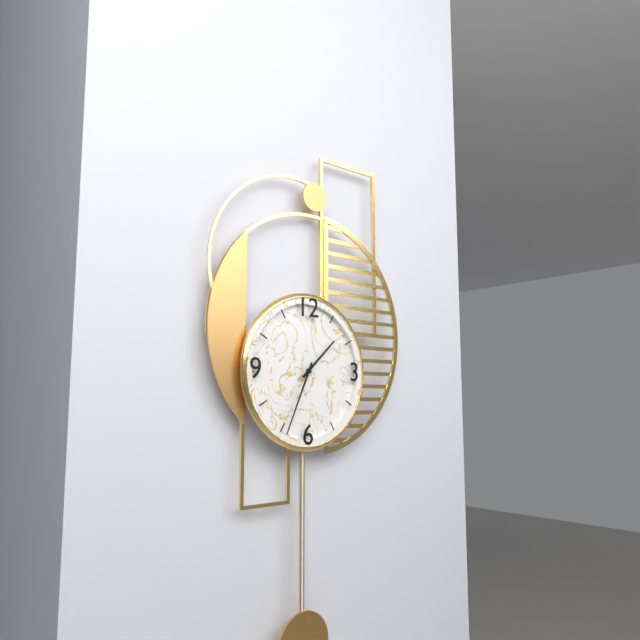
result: **1:34**
